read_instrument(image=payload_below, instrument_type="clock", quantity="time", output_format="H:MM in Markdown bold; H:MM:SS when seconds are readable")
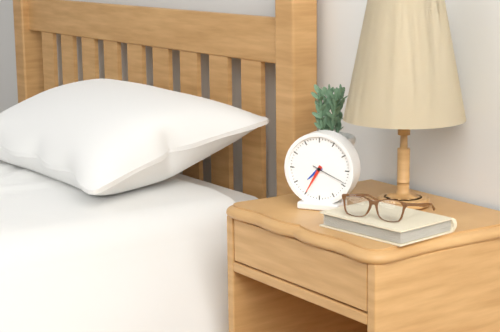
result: **7:35**
